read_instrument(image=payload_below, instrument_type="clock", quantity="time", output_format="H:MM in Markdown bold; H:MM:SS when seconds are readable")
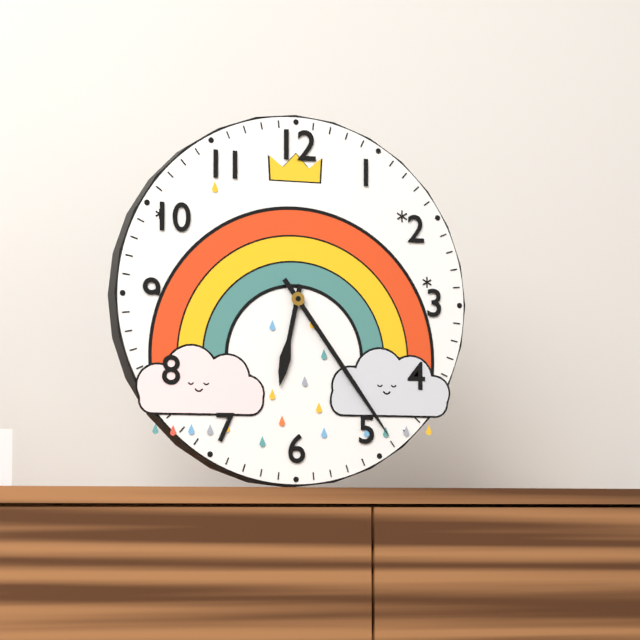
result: **6:24**
